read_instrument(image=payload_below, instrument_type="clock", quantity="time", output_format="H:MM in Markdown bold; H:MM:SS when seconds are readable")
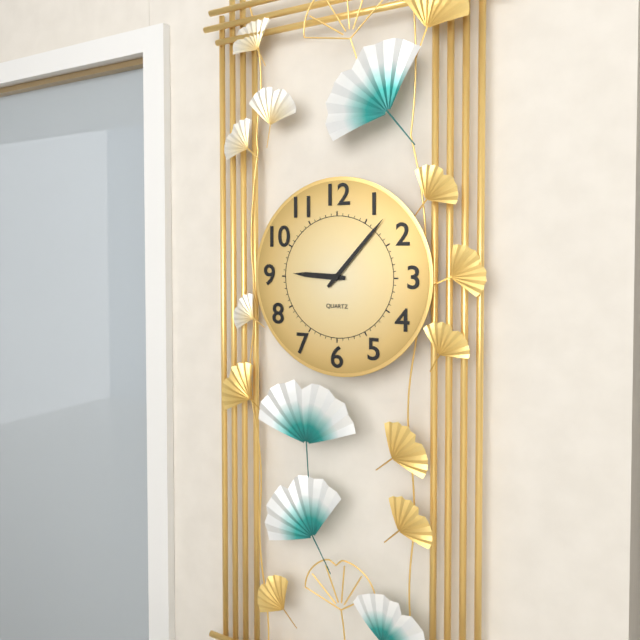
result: **9:07**
